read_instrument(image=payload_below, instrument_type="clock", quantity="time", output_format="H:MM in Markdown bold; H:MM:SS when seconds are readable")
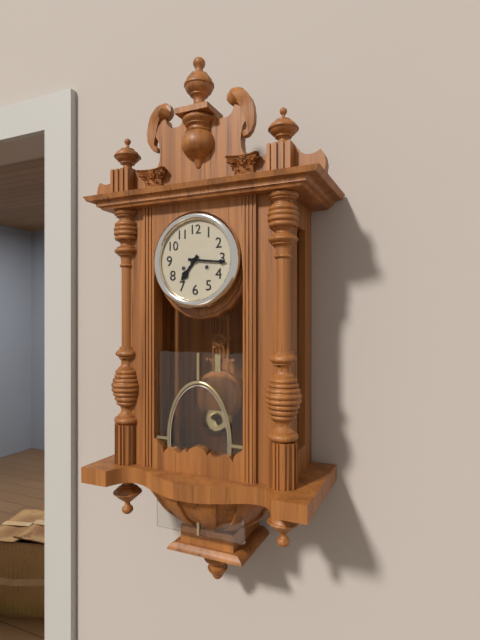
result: **7:16**
